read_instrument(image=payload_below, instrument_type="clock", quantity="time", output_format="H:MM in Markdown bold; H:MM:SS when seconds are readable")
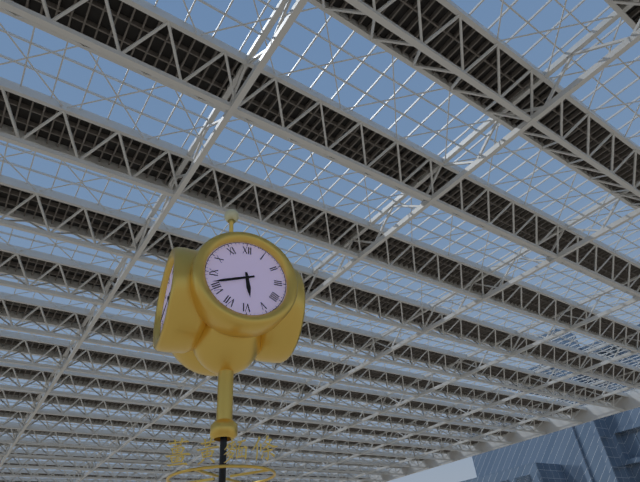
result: **5:42**
